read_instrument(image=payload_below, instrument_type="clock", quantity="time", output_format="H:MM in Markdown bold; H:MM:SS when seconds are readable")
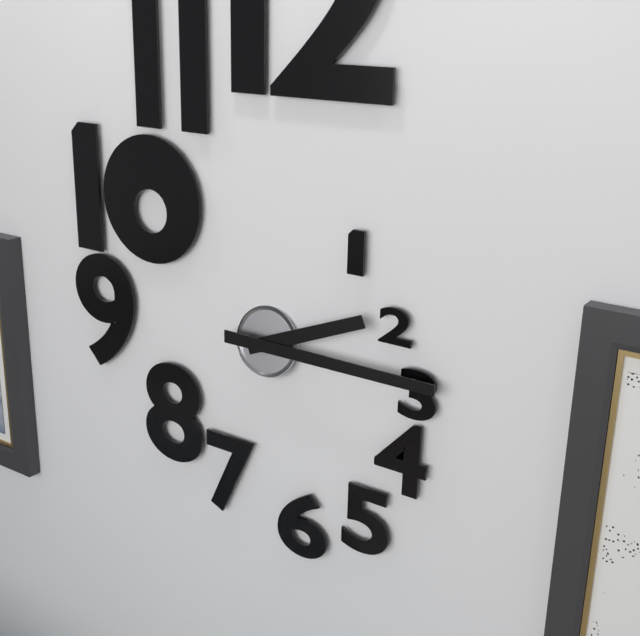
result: **2:15**
